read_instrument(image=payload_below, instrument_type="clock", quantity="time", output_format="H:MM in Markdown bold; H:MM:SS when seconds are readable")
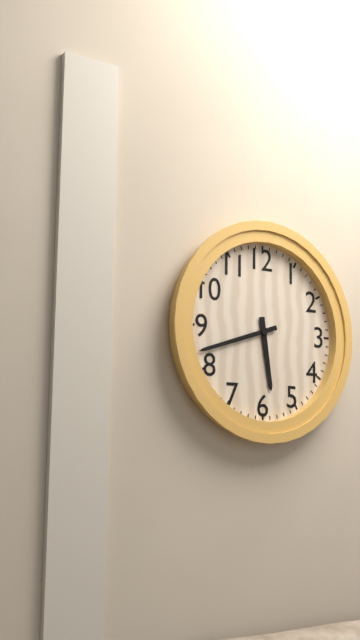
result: **5:42**
